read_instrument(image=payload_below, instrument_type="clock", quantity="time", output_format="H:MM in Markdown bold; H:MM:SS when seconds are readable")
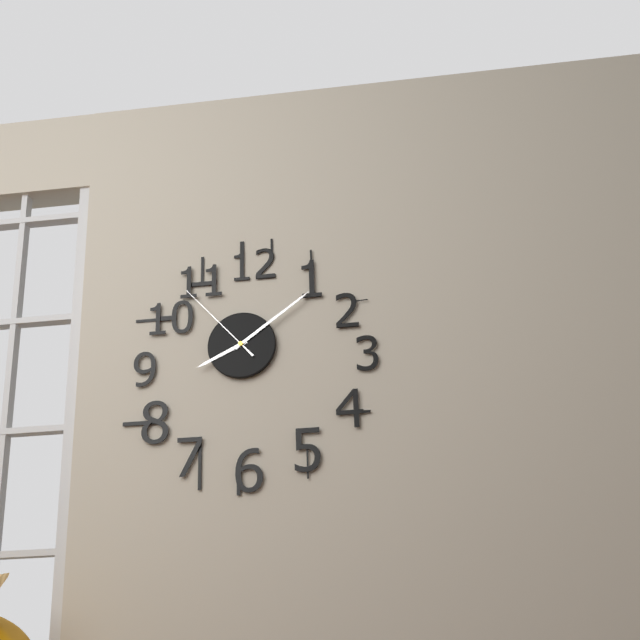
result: **8:09:53**
